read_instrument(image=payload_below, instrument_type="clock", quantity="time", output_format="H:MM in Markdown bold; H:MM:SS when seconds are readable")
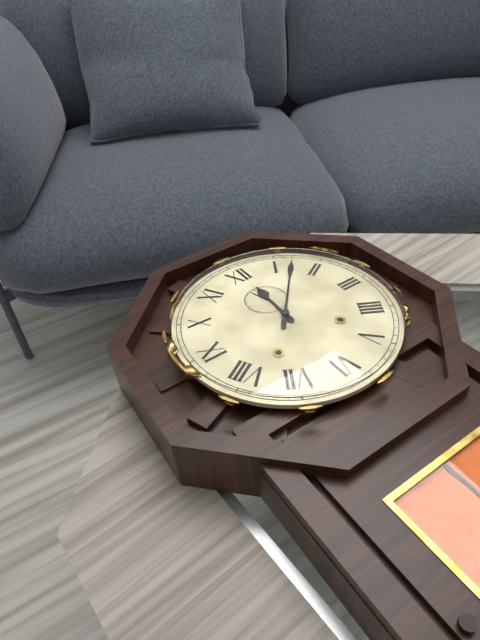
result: **12:07:57**
